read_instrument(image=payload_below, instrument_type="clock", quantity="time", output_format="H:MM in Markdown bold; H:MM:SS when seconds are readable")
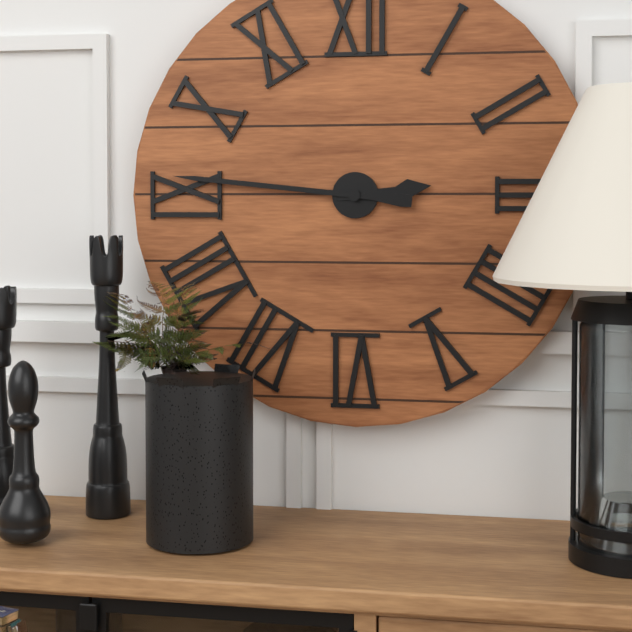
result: **2:46**
